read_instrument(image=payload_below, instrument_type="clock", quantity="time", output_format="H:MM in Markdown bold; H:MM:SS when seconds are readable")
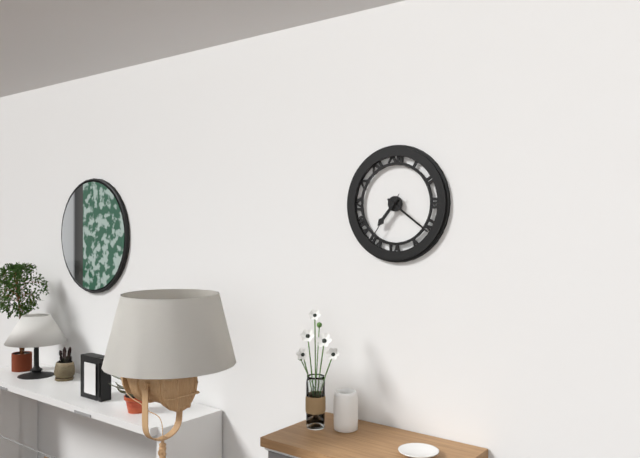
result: **7:21:36**
